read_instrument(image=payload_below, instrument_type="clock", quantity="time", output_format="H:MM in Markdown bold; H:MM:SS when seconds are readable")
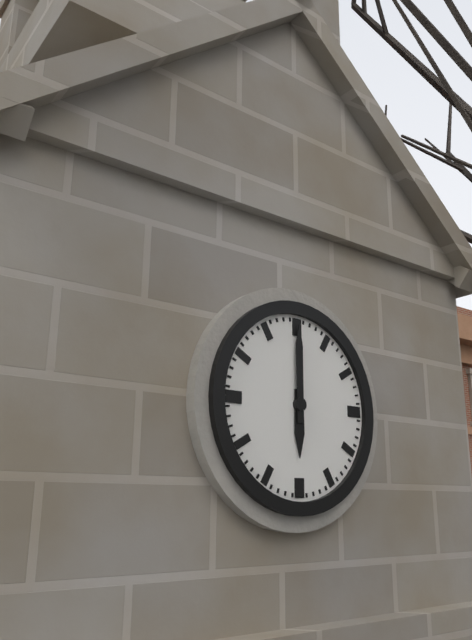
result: **6:00**
